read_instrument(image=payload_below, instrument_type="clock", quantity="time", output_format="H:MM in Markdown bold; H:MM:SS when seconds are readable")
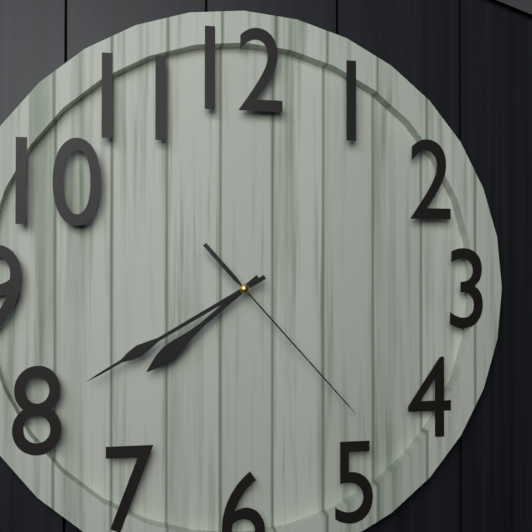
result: **7:40:23**
